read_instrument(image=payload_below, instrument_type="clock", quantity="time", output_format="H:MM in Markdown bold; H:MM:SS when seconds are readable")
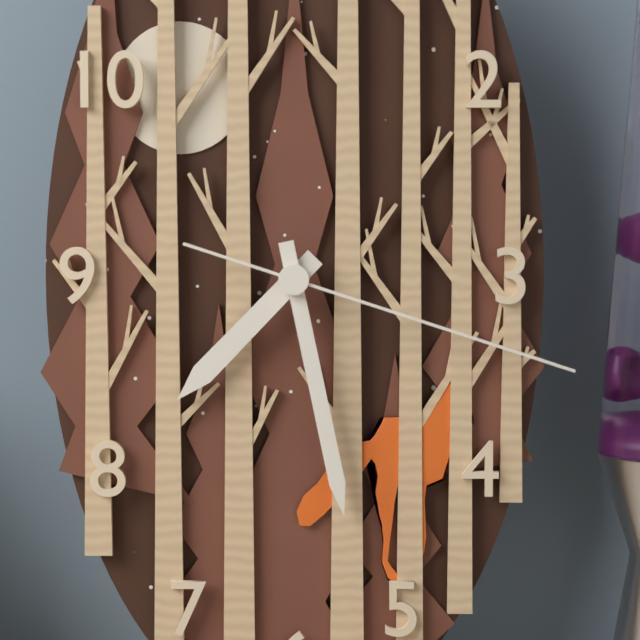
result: **7:28:18**
